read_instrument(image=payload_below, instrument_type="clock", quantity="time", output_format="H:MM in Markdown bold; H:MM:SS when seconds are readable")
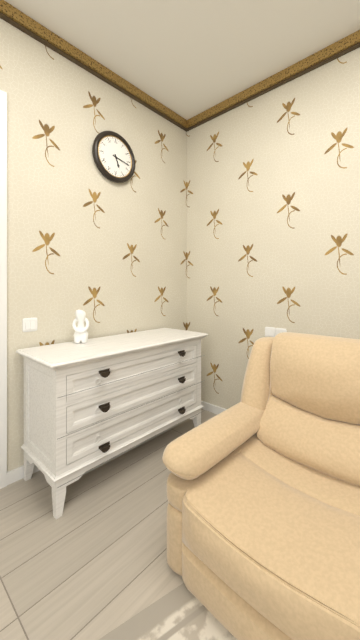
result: **5:17**
